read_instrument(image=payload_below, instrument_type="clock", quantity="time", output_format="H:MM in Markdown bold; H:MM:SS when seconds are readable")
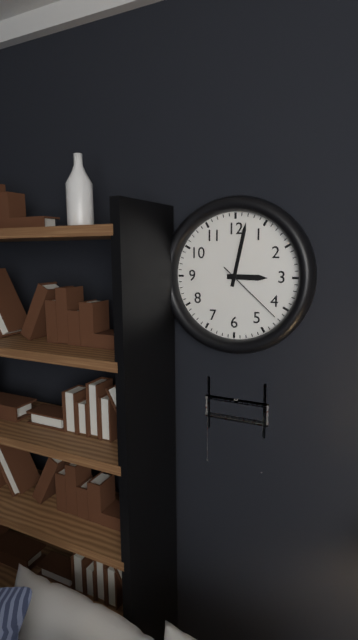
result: **3:02:22**
